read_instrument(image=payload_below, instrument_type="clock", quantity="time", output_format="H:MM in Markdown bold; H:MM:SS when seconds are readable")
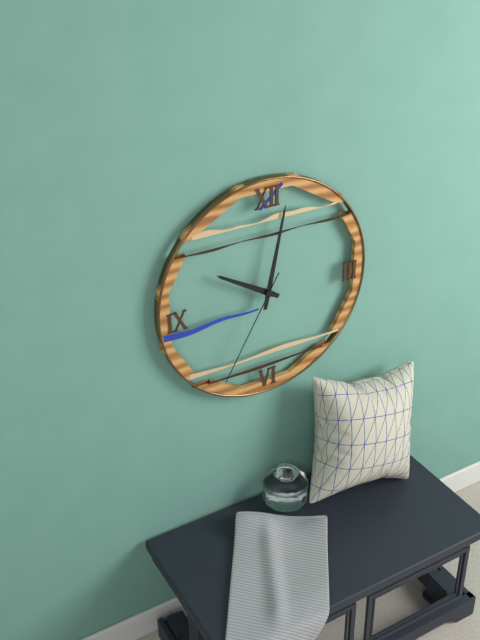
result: **10:02:35**
